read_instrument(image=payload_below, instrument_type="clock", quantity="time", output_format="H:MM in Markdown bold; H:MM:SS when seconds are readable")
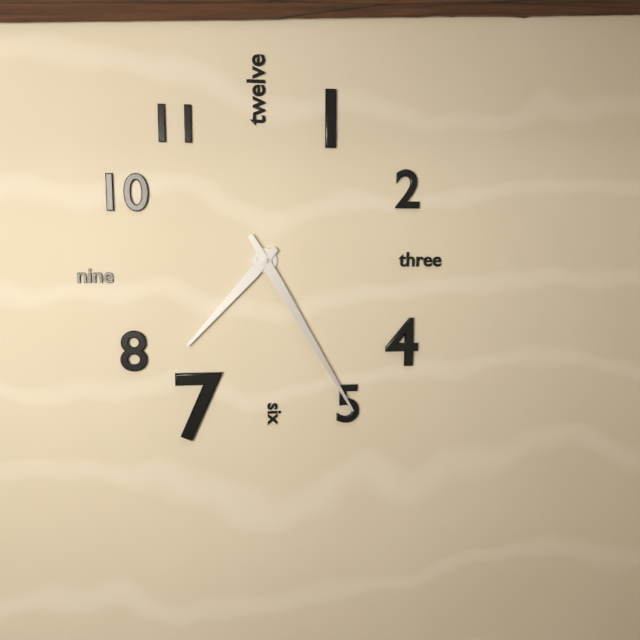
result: **7:25**
